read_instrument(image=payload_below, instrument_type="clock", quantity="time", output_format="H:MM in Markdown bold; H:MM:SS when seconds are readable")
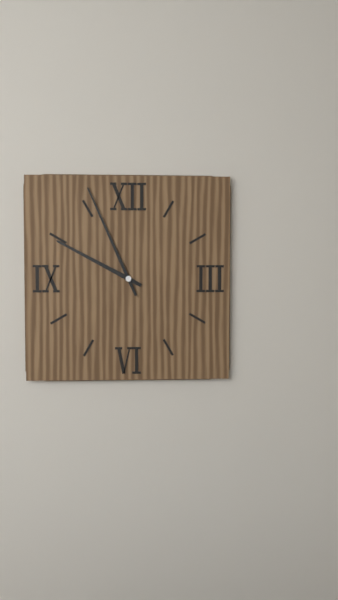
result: **9:56**
